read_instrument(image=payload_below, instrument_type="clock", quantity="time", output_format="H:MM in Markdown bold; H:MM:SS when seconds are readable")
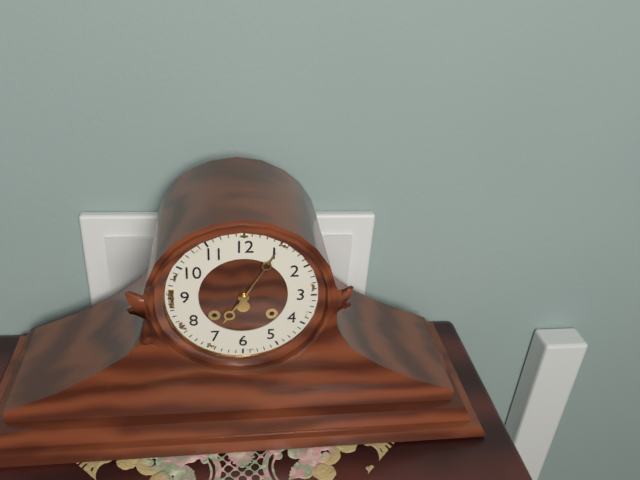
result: **7:05**
